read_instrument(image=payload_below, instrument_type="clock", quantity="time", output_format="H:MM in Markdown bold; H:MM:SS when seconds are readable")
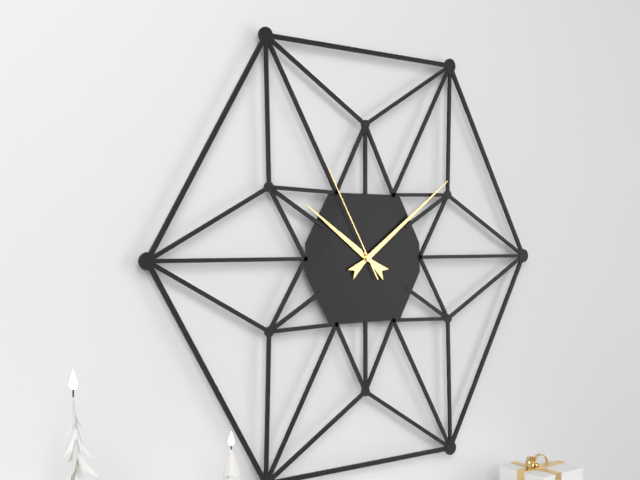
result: **10:09:55**
